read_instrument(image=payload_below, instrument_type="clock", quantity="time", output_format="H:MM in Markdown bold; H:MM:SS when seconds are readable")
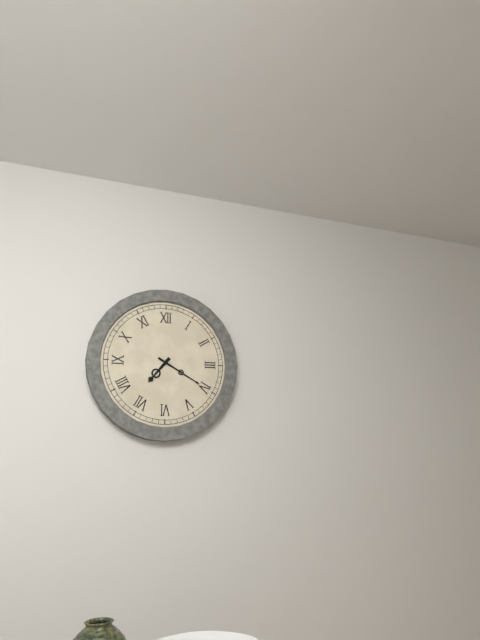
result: **7:20**
